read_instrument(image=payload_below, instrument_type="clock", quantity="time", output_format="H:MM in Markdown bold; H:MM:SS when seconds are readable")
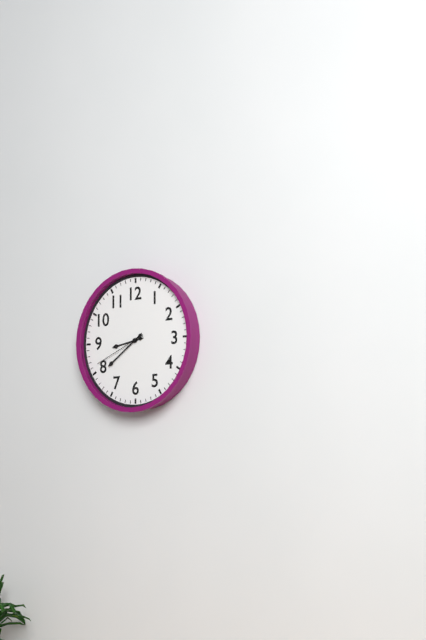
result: **8:39:41**
